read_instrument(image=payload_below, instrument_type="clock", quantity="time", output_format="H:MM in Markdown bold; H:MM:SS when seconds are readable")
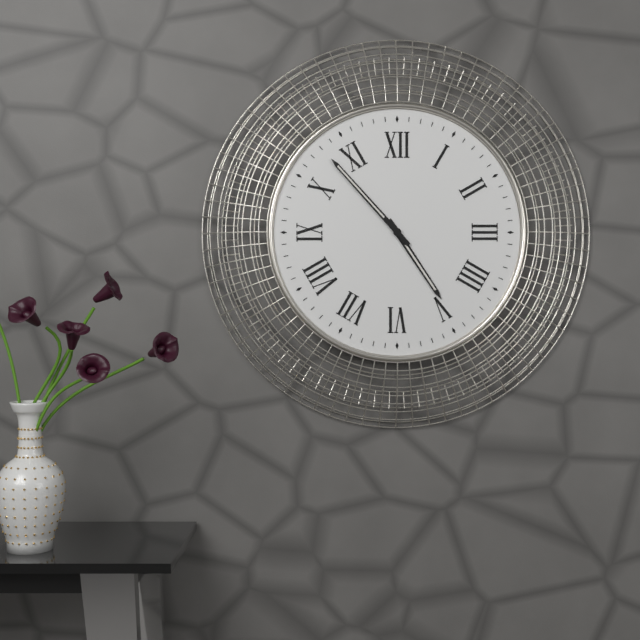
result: **4:53**
